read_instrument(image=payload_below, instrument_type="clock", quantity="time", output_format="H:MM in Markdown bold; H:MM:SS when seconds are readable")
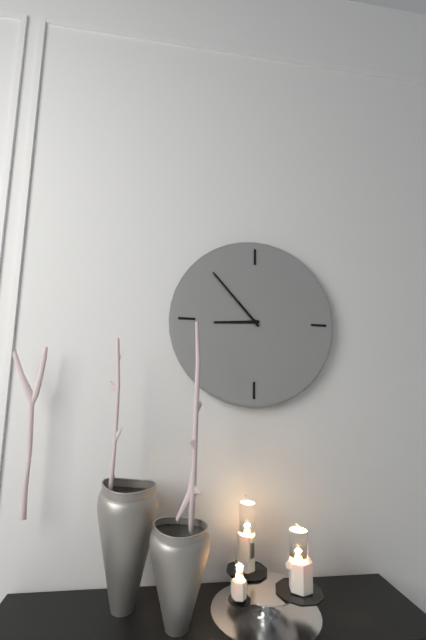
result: **8:53**
